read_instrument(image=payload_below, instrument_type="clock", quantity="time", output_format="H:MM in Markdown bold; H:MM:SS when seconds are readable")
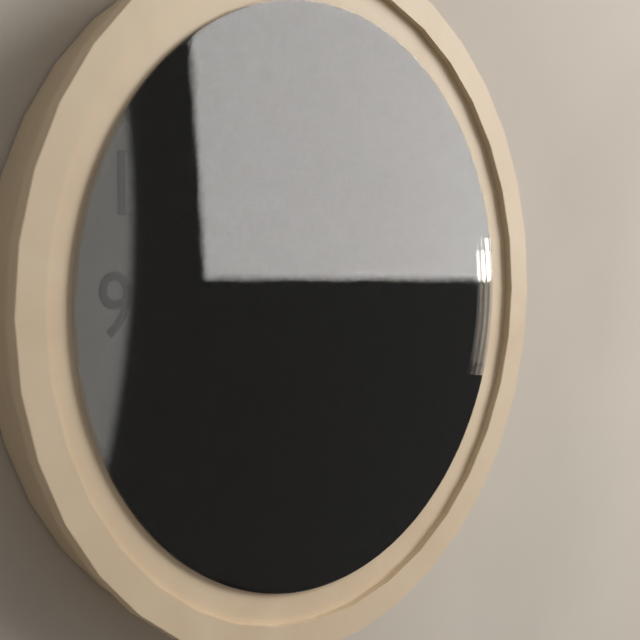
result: **4:58**
